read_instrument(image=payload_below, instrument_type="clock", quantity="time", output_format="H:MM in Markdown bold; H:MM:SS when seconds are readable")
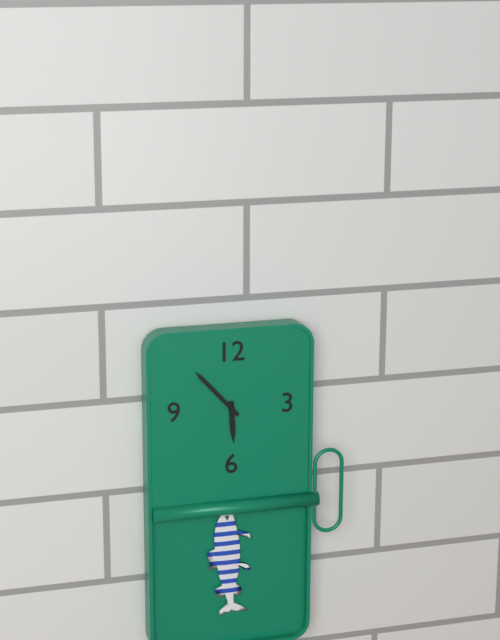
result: **5:53**
